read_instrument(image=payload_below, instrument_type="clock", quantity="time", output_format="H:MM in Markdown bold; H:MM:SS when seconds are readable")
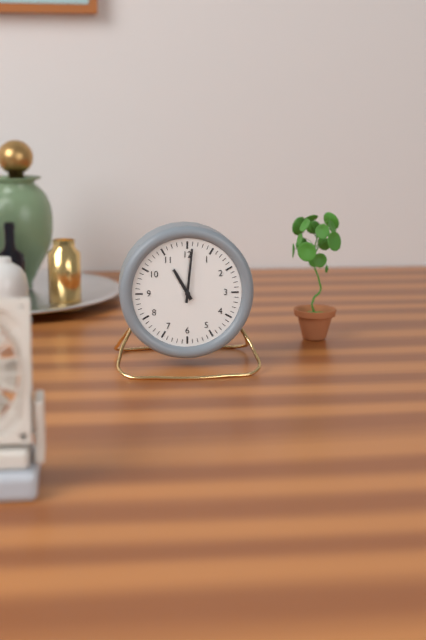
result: **11:01**
